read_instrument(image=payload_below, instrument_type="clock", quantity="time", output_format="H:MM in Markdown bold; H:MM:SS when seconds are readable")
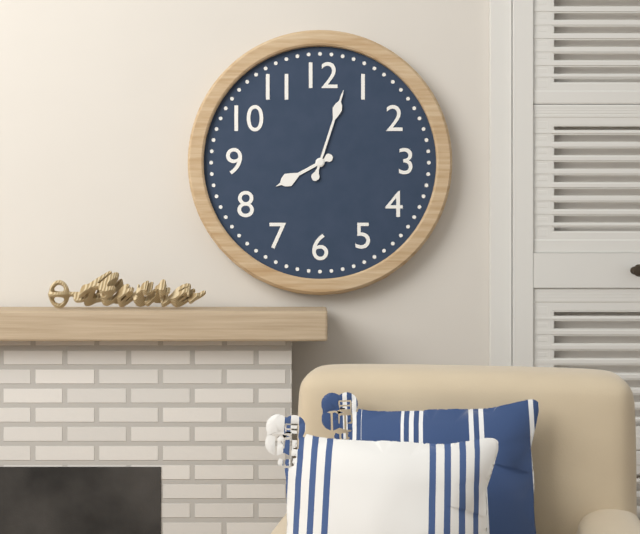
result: **8:03**
